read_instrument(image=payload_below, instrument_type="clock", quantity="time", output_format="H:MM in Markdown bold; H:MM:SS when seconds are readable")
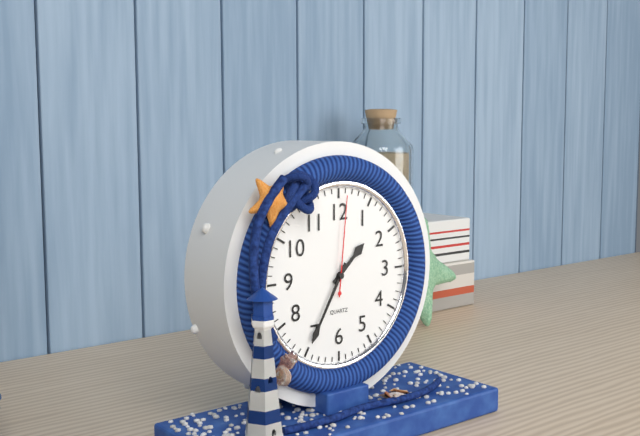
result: **1:35:01**
